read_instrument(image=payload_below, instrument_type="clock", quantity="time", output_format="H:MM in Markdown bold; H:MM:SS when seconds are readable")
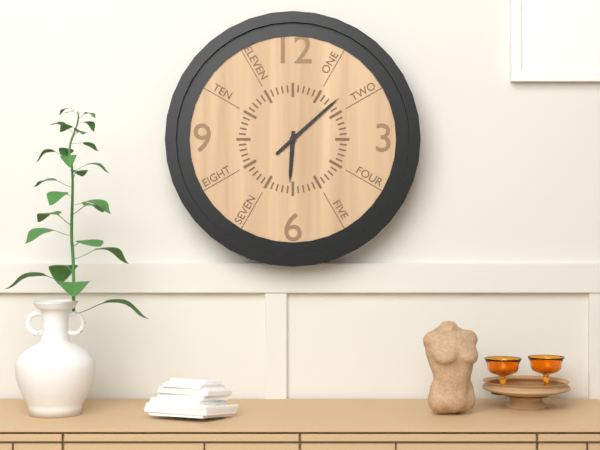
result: **6:08**
